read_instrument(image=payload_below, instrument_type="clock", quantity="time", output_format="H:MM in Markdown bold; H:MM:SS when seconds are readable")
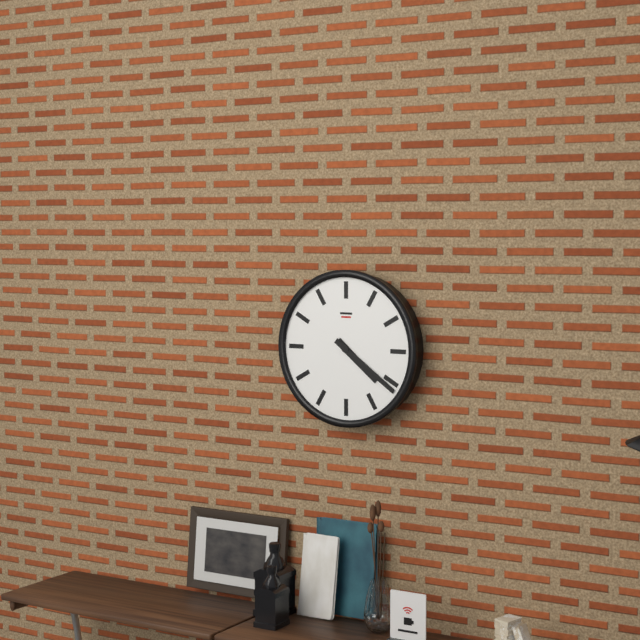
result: **4:21**
